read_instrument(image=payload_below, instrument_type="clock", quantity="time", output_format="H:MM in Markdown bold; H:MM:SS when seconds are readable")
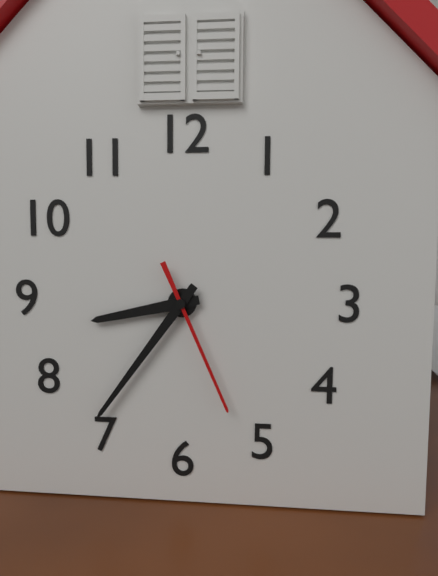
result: **8:36:26**
